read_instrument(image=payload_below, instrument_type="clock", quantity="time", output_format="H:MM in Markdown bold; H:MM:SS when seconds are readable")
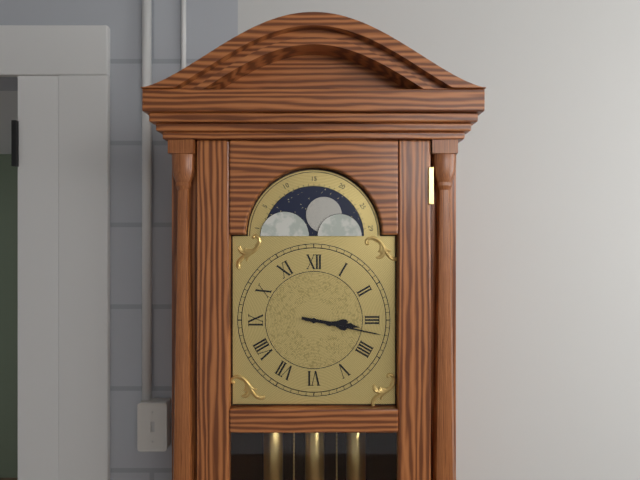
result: **3:17**
